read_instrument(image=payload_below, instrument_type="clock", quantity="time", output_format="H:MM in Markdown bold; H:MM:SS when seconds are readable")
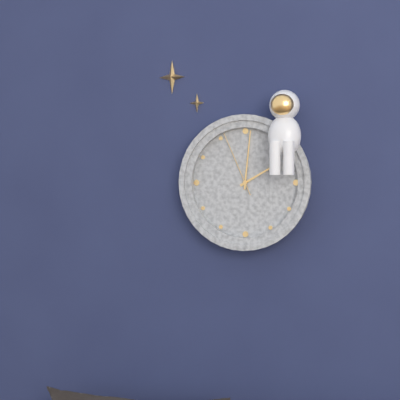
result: **2:01:56**
